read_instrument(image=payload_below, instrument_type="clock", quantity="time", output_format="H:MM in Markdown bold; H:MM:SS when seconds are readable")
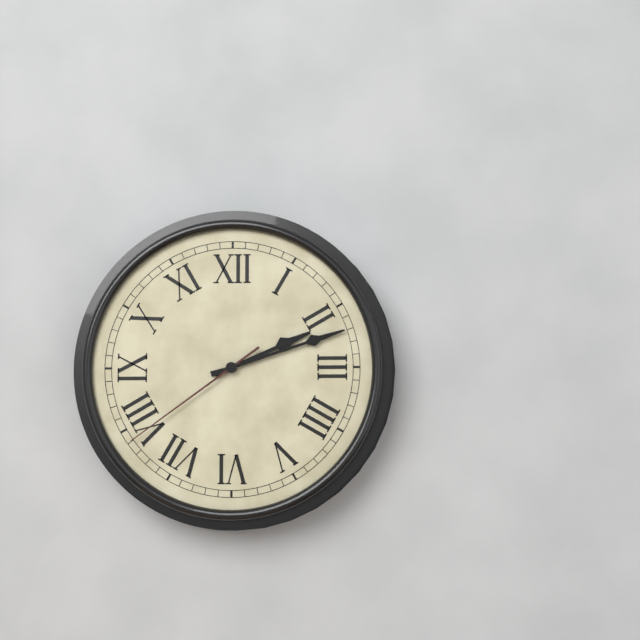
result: **2:12:39**
